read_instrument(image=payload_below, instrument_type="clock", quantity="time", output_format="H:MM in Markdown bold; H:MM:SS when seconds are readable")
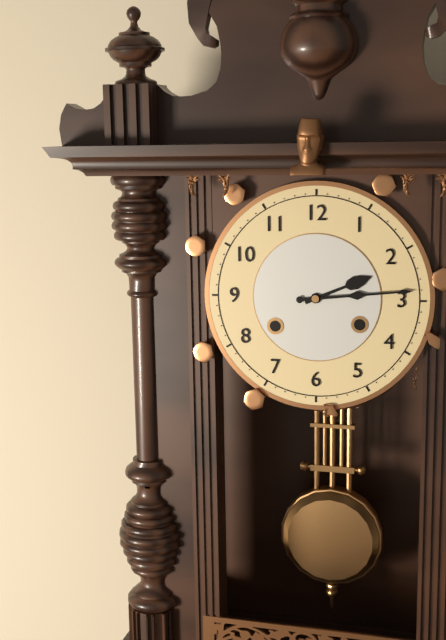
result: **2:14**
